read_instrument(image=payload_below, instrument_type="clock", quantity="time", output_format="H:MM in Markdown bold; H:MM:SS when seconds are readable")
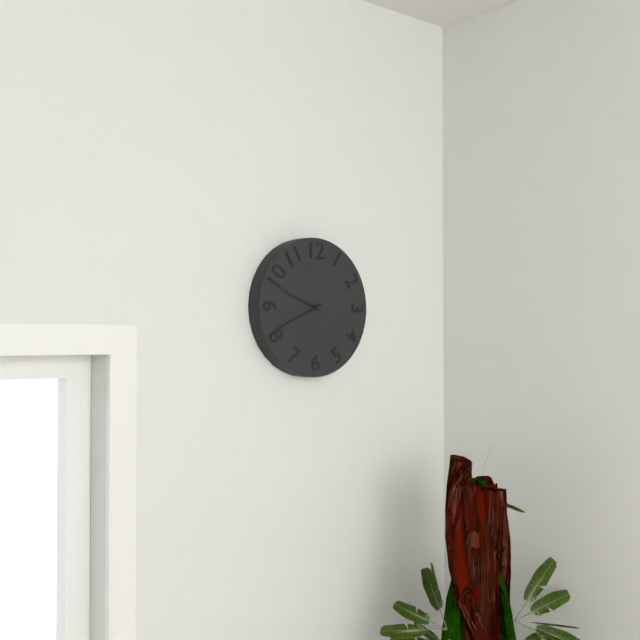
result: **9:41**
